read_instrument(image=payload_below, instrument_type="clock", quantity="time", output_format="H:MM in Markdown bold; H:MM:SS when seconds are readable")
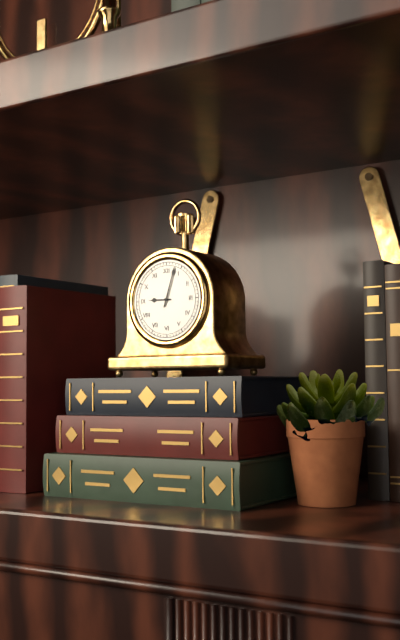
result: **9:03**
